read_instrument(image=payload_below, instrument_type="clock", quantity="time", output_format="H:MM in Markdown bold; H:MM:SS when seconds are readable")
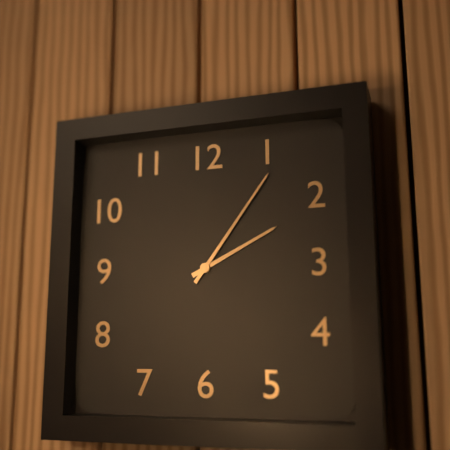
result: **2:06**
